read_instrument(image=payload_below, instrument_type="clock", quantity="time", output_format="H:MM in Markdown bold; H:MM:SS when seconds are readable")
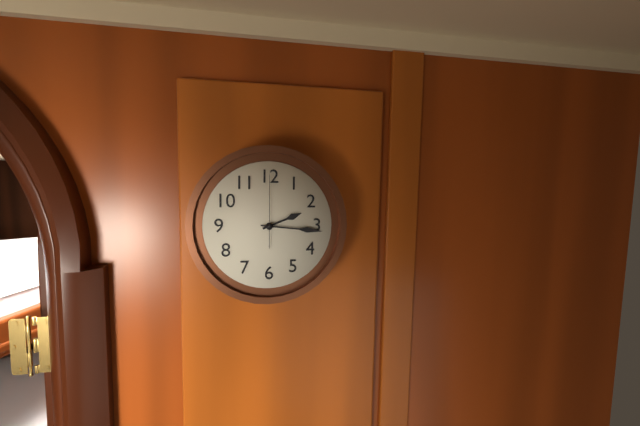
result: **2:16:00**
